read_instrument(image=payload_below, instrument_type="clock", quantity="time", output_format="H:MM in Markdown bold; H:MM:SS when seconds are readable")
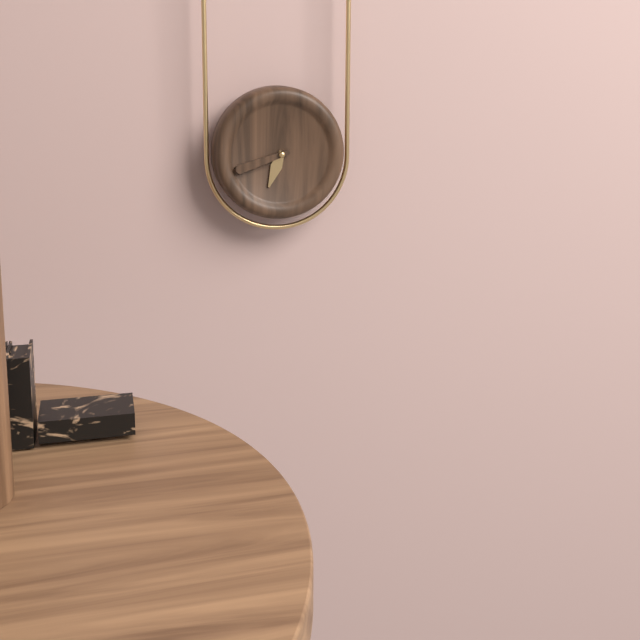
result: **6:42**
